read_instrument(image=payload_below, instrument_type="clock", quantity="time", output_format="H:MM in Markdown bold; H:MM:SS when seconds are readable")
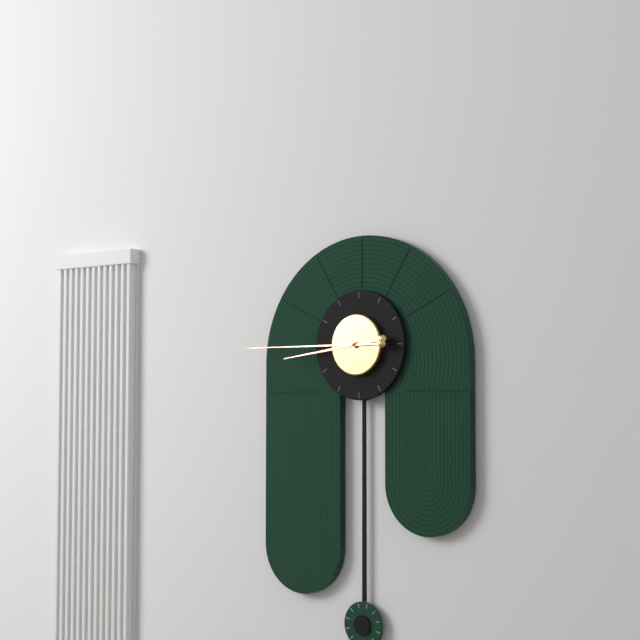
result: **8:45**
